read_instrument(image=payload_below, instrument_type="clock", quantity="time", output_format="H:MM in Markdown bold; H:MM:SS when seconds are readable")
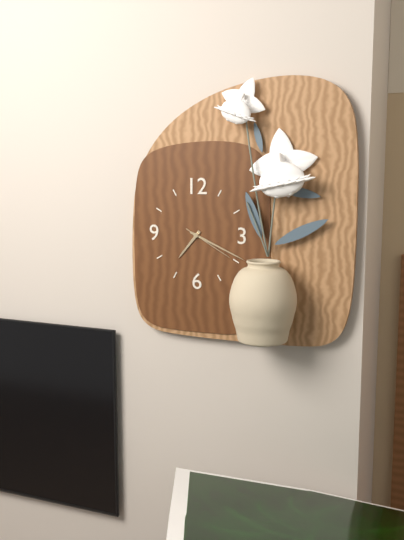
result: **7:19**
